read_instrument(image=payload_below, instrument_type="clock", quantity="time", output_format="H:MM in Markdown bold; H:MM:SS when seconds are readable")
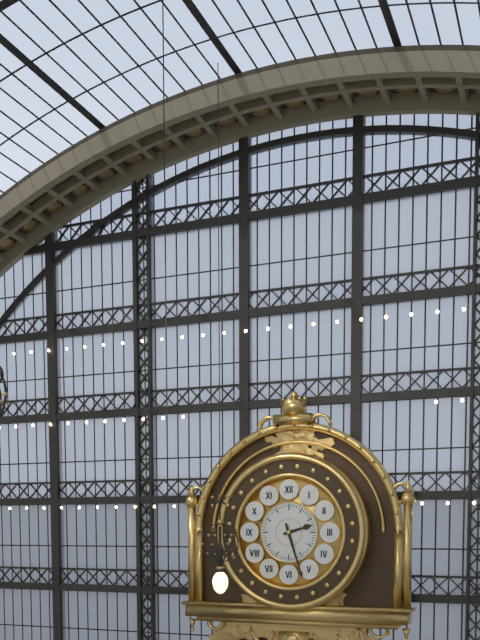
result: **2:27**
